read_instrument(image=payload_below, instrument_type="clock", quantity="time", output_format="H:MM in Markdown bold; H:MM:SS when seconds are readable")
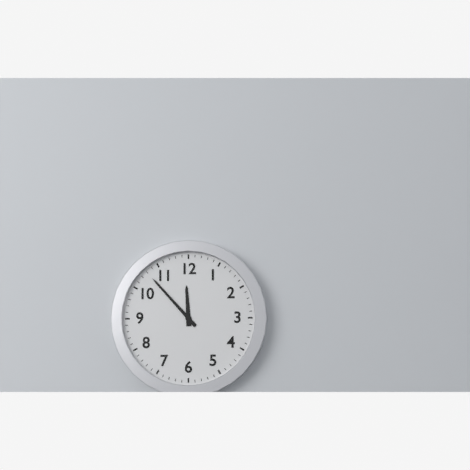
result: **11:53**
